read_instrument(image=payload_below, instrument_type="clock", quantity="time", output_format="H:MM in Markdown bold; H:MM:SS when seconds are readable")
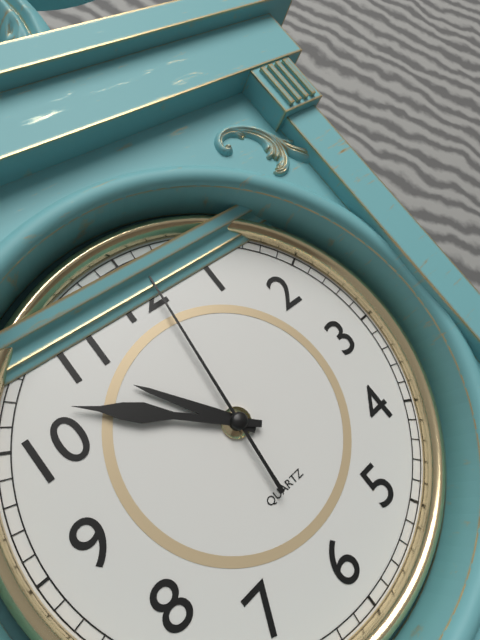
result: **10:52:01**
